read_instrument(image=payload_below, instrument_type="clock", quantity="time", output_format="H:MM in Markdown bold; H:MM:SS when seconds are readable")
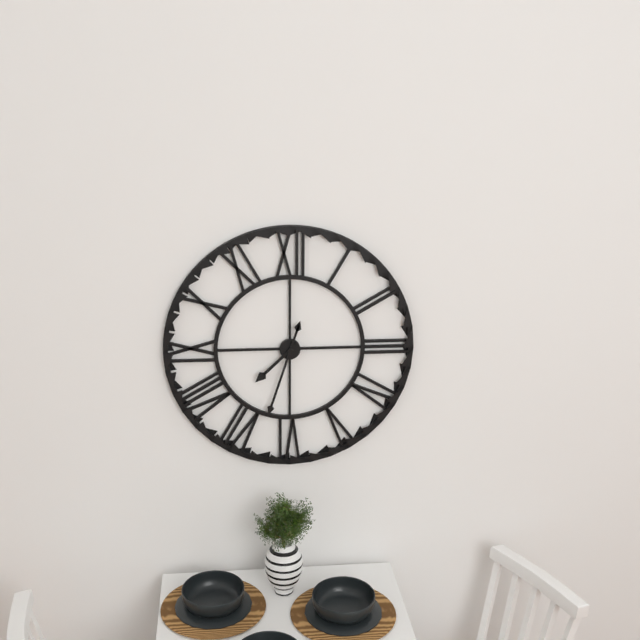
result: **7:33**
